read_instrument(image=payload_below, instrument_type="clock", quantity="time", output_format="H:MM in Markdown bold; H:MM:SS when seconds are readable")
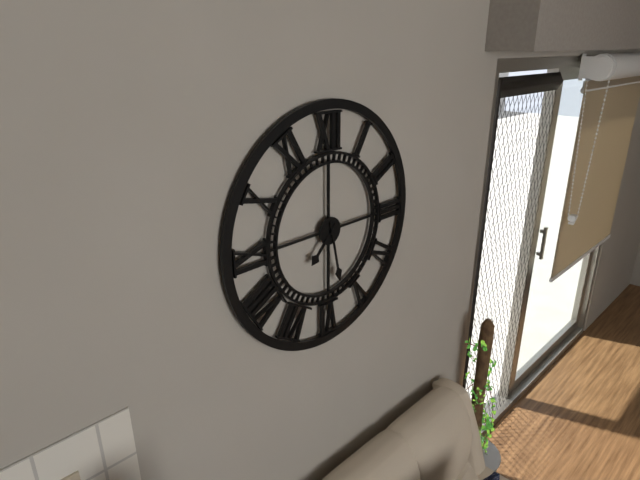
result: **7:28**
